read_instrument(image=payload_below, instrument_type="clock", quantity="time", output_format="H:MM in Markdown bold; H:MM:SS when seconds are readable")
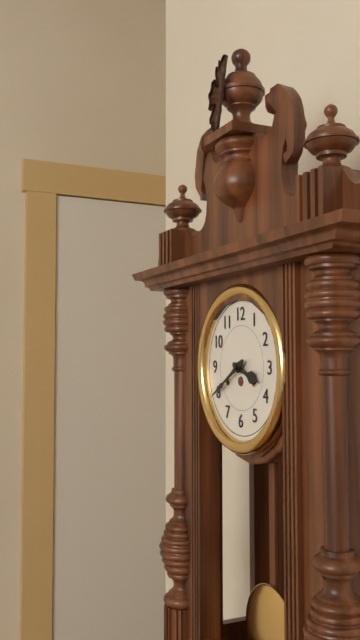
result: **3:40**
